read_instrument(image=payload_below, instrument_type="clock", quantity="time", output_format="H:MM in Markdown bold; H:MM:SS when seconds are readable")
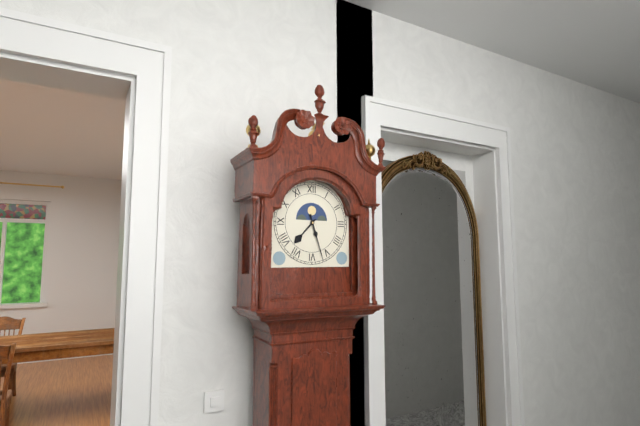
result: **7:27**
